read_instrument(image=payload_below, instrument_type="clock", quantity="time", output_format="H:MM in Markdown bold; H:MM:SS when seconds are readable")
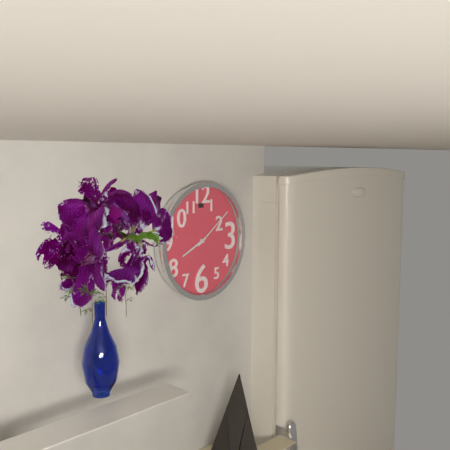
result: **8:09**
